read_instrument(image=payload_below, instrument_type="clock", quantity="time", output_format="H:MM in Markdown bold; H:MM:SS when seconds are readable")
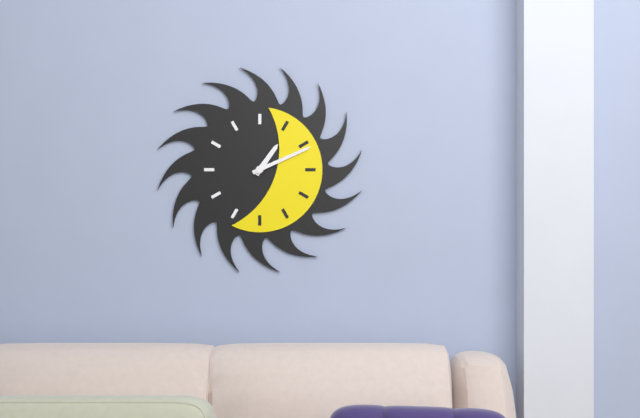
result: **1:11**
